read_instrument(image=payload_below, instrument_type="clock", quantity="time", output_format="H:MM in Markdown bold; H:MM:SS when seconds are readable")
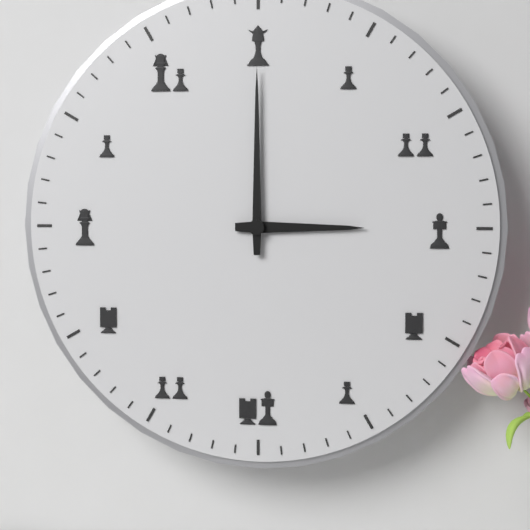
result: **3:00**
